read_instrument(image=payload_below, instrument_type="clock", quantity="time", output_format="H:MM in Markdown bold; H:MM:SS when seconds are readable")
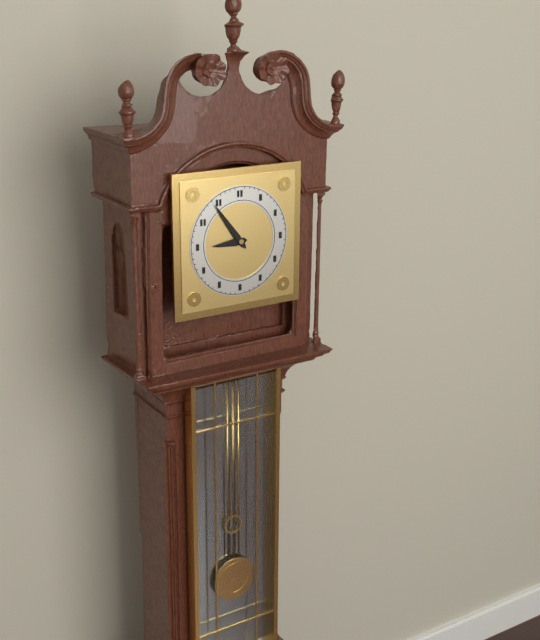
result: **8:54**
